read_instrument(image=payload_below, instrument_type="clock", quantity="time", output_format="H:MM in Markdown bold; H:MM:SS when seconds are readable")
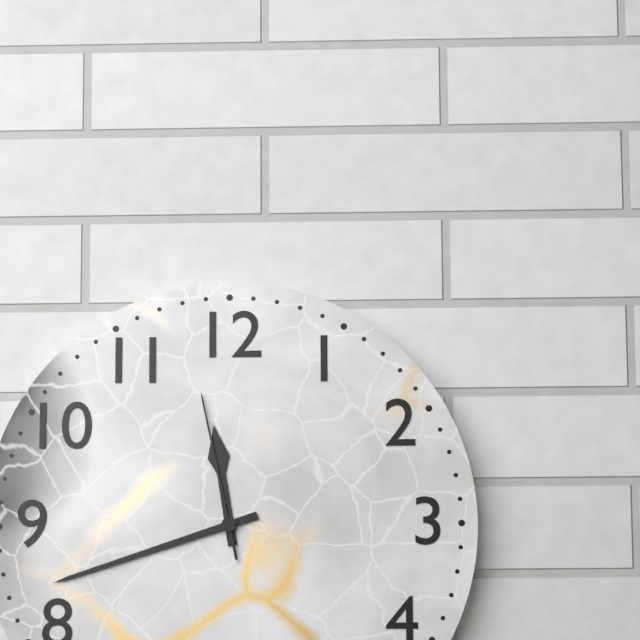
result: **11:42:58**
